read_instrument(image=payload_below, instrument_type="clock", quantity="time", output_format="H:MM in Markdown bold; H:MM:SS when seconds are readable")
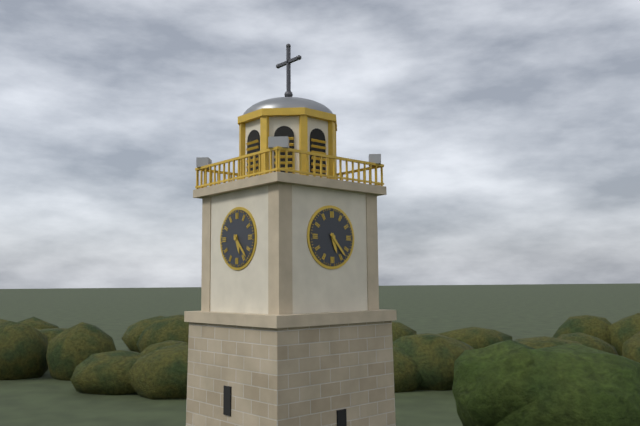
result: **5:23**
